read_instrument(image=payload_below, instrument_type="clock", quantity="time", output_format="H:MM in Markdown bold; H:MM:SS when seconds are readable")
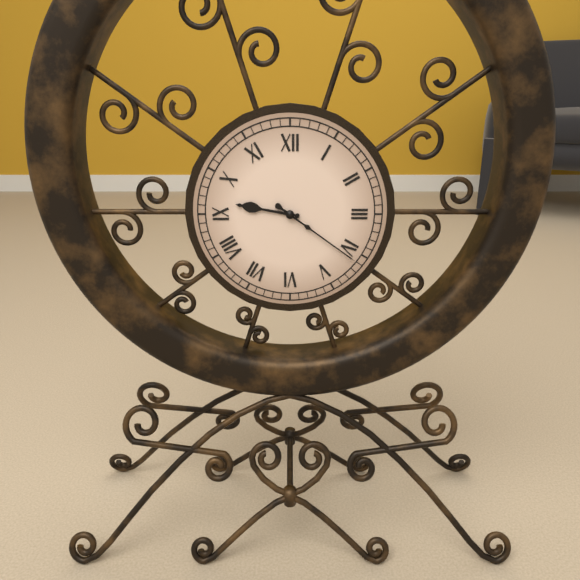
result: **9:21**
